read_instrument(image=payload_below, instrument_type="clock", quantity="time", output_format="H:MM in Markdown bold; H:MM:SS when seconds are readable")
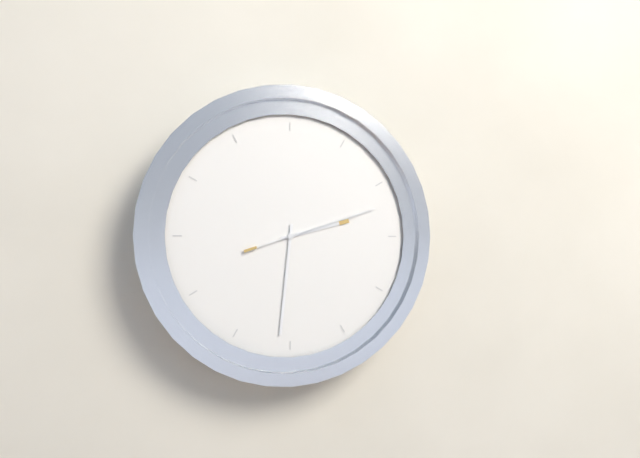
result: **2:31:12**
